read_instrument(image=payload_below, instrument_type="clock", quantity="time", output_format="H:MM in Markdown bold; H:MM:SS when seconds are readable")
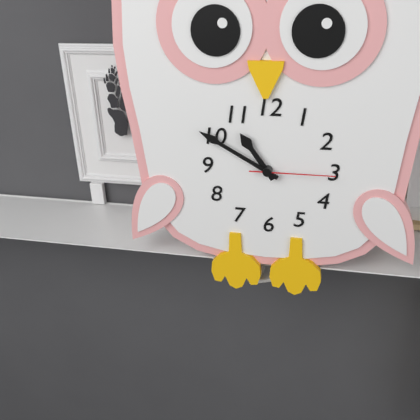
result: **10:50:15**
